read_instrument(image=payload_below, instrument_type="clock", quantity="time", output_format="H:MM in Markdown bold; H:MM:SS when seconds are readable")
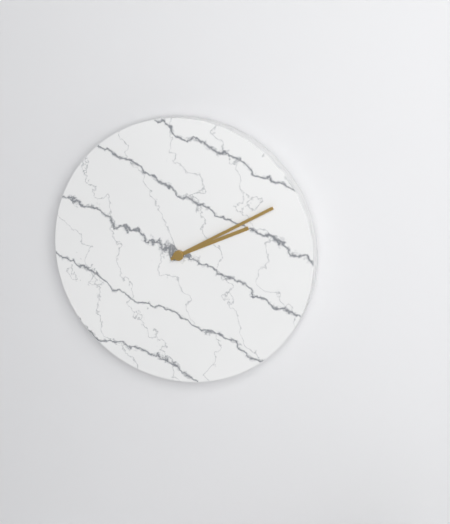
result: **2:10**
